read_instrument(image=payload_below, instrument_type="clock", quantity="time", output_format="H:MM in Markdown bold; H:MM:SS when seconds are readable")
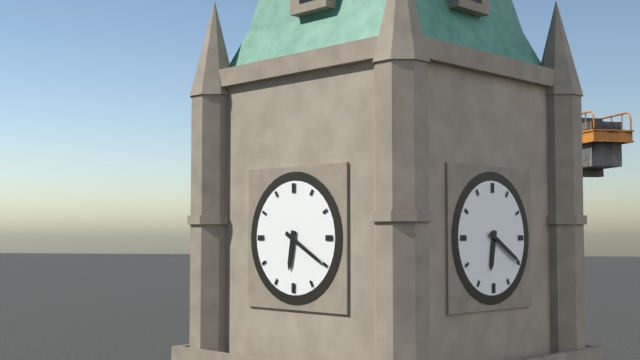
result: **6:20**
